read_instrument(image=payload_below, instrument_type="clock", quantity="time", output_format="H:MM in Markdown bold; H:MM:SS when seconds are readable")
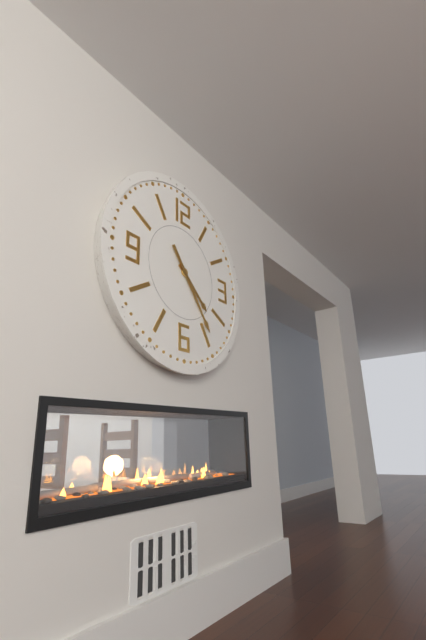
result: **4:24**
